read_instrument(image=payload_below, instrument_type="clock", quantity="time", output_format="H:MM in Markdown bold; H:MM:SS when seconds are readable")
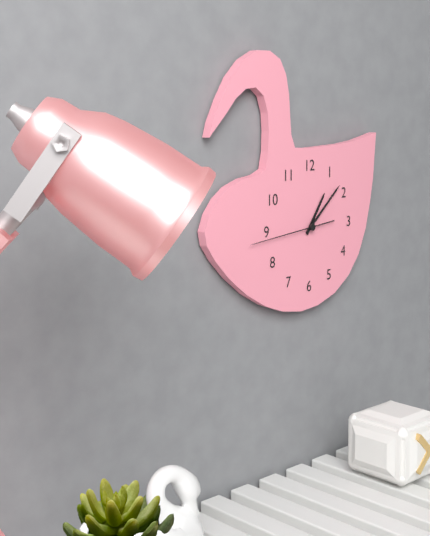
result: **1:08:44**
